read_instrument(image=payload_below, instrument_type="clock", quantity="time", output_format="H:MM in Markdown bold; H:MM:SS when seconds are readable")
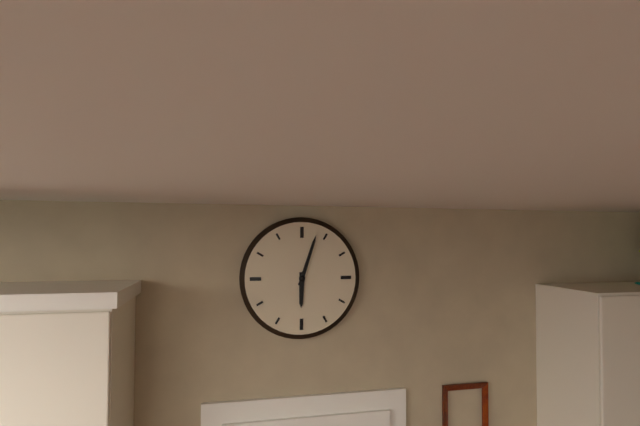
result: **6:03**
